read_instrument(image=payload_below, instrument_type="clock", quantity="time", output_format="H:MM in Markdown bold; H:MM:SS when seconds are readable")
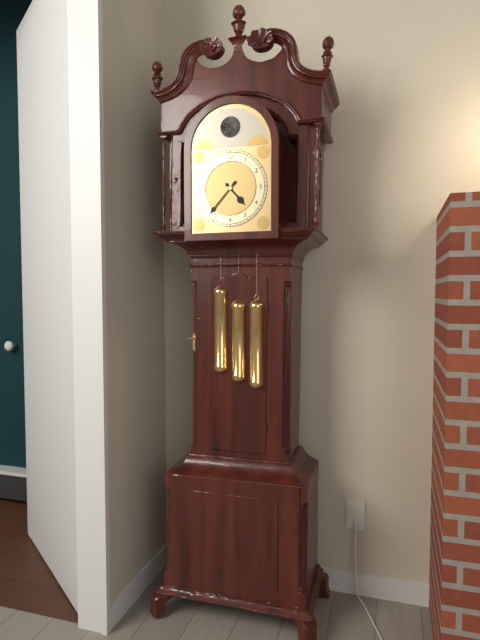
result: **4:37**
